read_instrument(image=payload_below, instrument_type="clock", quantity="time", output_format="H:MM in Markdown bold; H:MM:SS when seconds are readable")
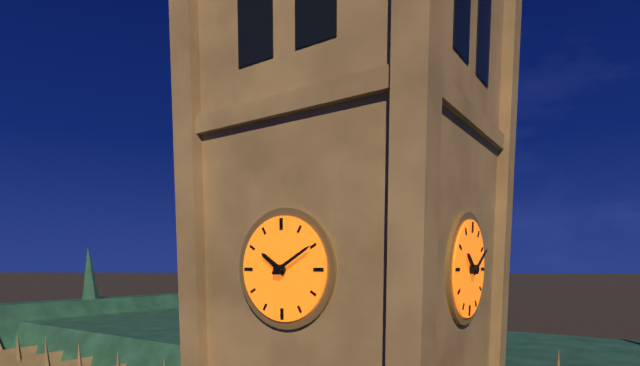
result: **10:10**
